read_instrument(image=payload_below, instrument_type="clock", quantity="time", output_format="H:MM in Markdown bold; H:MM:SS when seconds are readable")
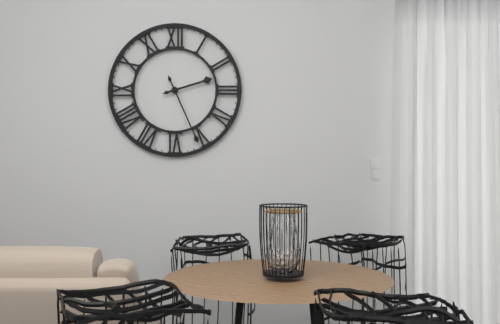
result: **2:26**
